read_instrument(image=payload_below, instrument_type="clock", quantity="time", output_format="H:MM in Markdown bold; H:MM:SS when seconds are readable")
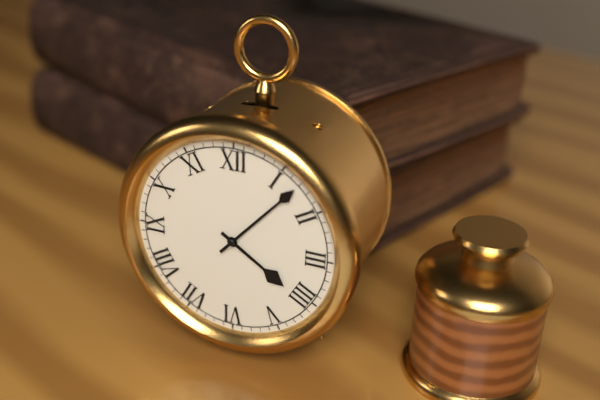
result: **4:07**
